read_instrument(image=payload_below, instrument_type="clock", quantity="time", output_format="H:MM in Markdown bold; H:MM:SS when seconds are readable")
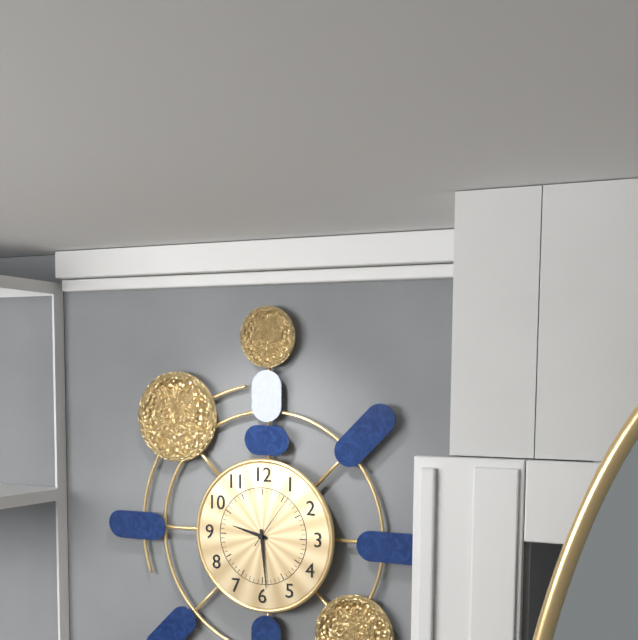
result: **9:29:06**
